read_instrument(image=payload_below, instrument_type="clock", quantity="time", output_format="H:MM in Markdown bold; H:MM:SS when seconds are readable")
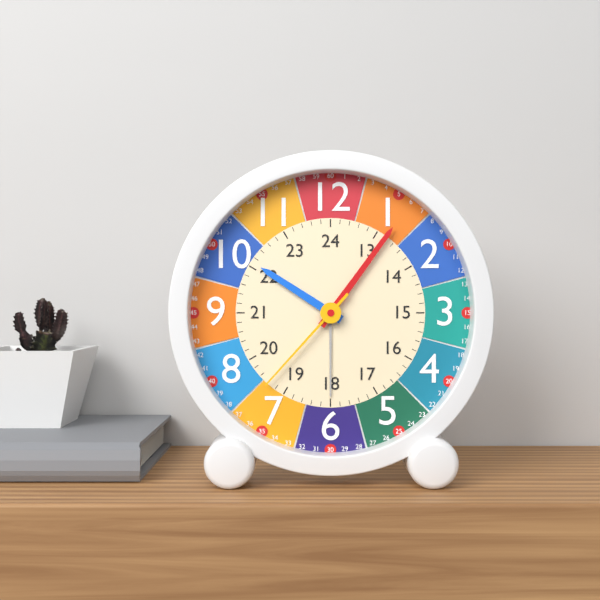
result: **10:06:37**
